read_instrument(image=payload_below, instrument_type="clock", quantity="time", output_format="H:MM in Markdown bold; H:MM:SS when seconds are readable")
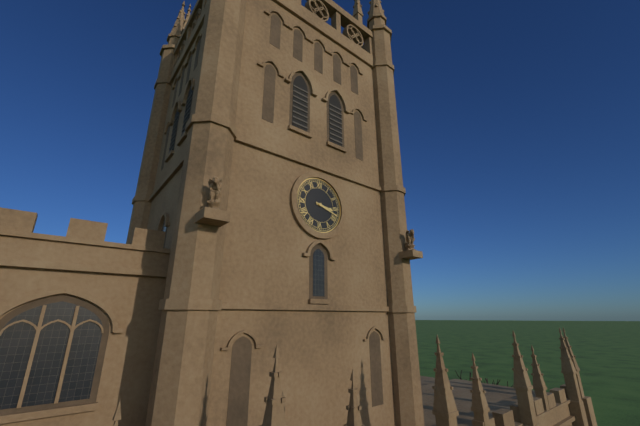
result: **3:18**
